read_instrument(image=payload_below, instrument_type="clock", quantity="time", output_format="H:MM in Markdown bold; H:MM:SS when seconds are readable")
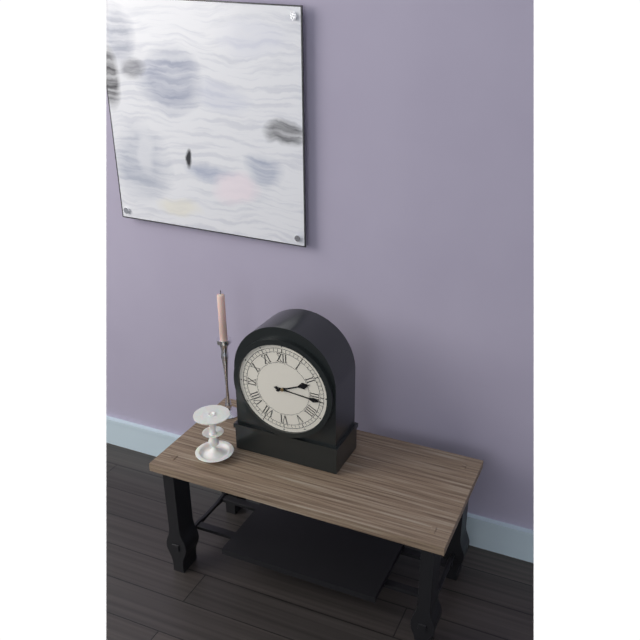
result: **2:16**
